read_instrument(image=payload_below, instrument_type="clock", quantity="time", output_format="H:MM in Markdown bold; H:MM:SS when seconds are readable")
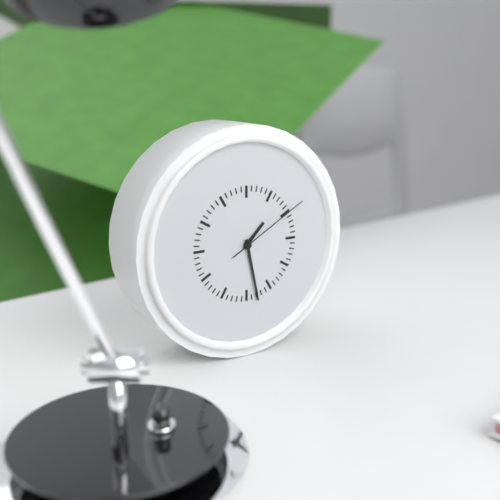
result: **1:28:10**
